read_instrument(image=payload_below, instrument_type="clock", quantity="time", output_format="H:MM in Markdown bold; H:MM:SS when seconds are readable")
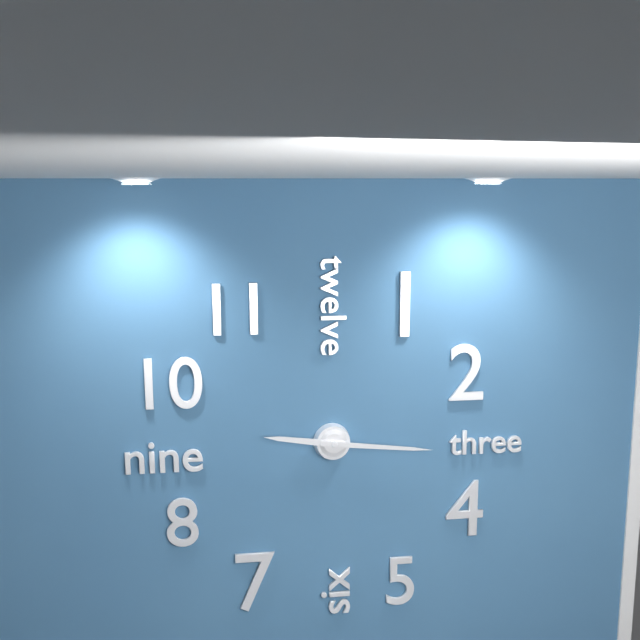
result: **9:16**
